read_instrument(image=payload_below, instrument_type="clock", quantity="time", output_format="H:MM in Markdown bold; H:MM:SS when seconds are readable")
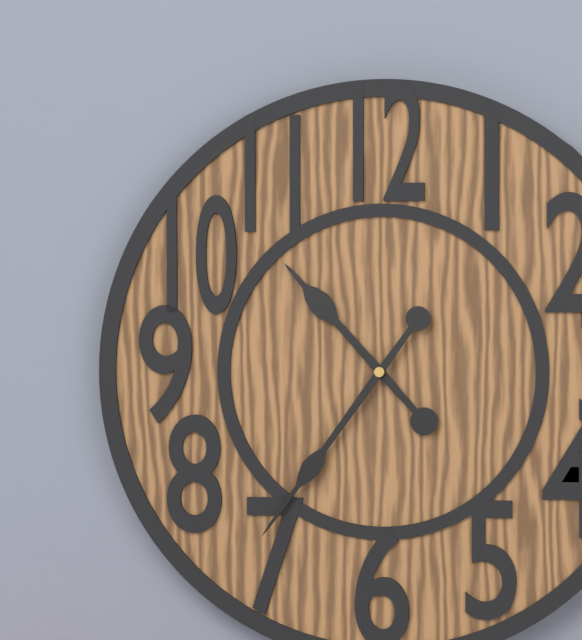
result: **10:36**
